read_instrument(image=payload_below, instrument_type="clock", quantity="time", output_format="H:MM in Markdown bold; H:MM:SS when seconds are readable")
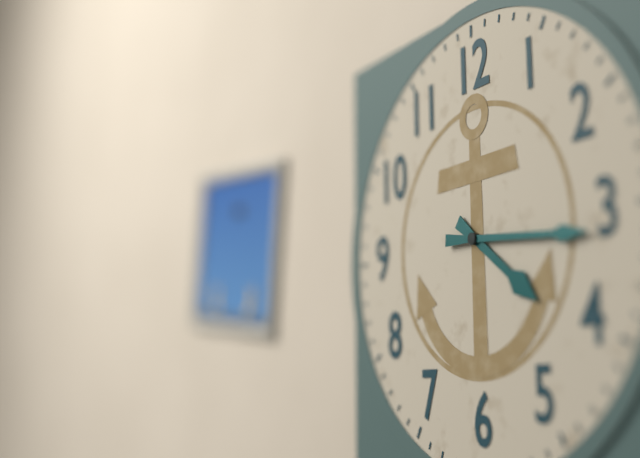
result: **4:16**
